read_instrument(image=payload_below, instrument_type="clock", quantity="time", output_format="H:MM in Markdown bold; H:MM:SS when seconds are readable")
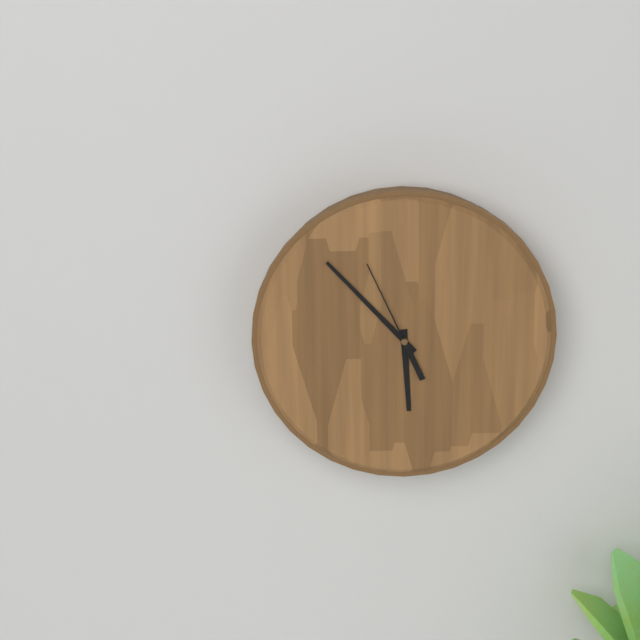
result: **5:53:56**
